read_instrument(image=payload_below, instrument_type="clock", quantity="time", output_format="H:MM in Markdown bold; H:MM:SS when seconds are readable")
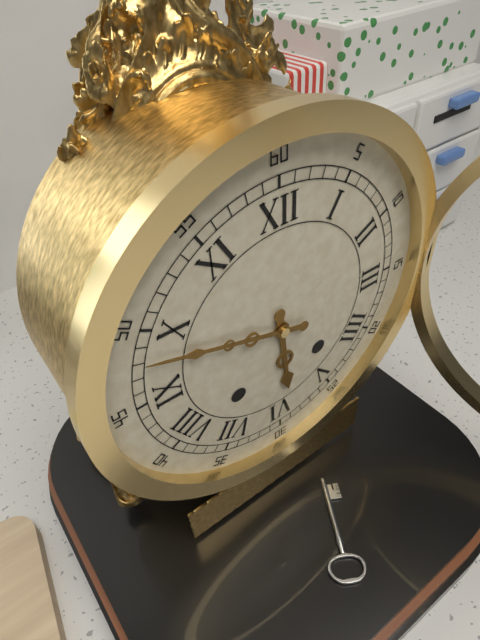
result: **5:48**
